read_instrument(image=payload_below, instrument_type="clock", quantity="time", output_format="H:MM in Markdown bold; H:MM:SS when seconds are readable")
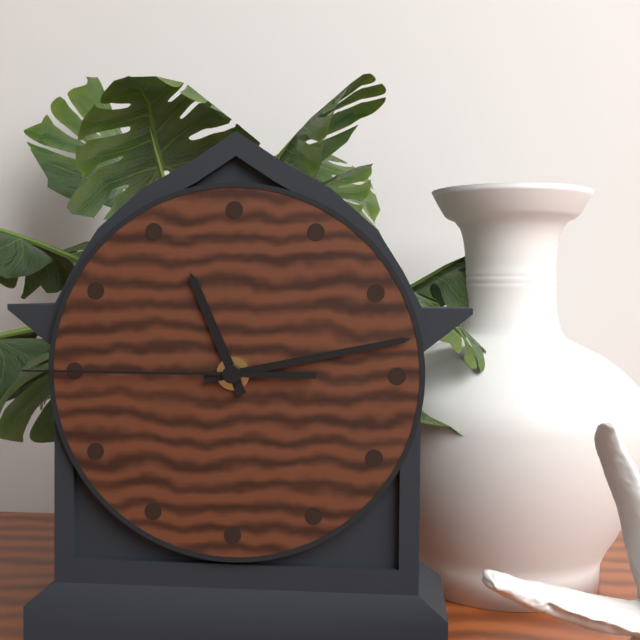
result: **11:13:45**
